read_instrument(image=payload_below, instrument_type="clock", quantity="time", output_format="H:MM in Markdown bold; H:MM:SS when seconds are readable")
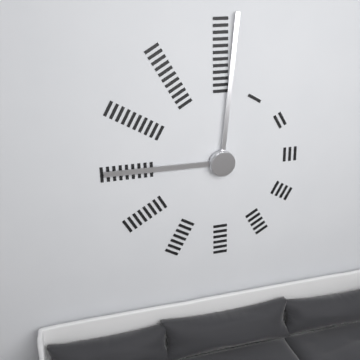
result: **9:01**
